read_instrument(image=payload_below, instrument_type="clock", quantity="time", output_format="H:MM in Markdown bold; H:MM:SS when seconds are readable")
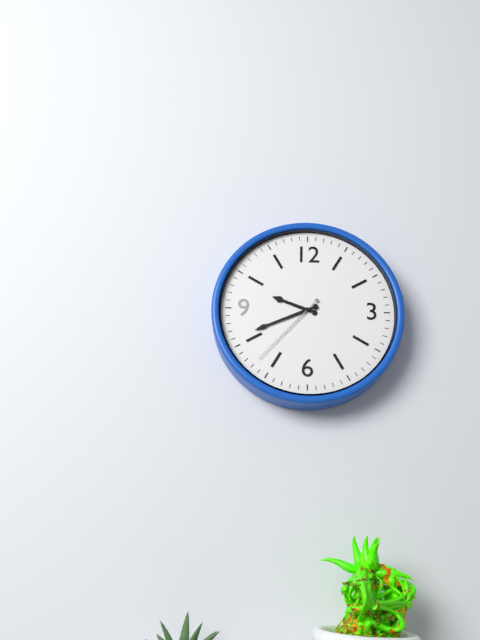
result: **9:41:37**
